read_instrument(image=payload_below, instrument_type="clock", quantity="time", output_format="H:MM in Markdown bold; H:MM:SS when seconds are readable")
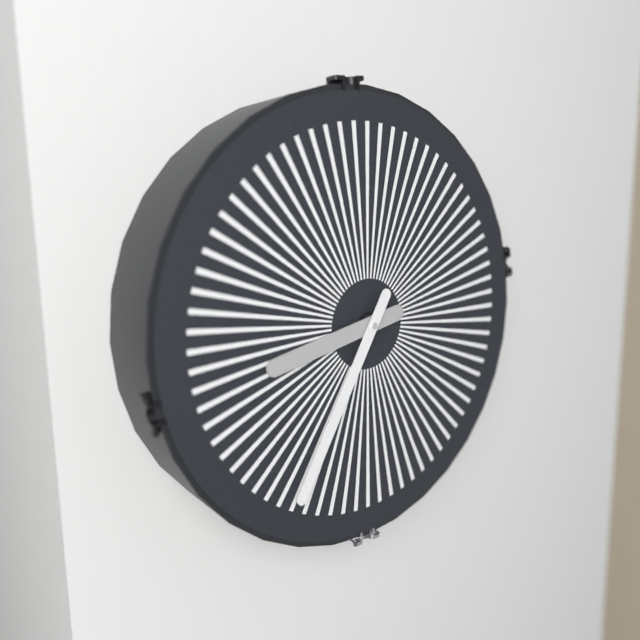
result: **8:35**
